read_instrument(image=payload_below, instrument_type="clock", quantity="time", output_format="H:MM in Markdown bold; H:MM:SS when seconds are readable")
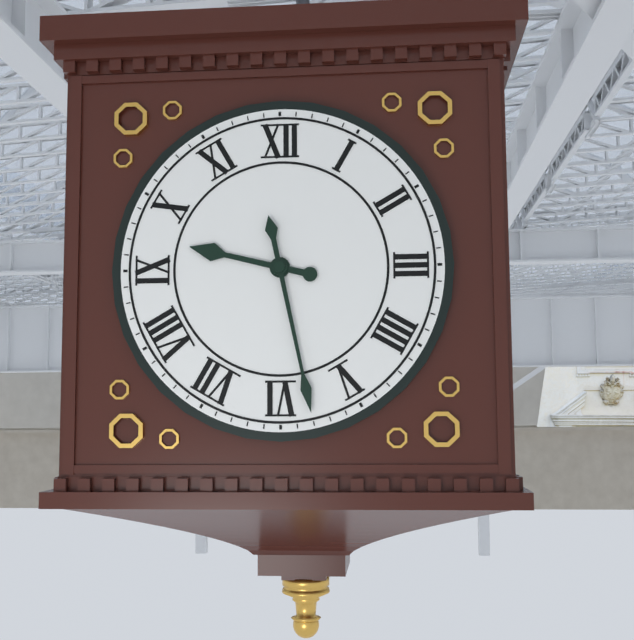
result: **9:28**
